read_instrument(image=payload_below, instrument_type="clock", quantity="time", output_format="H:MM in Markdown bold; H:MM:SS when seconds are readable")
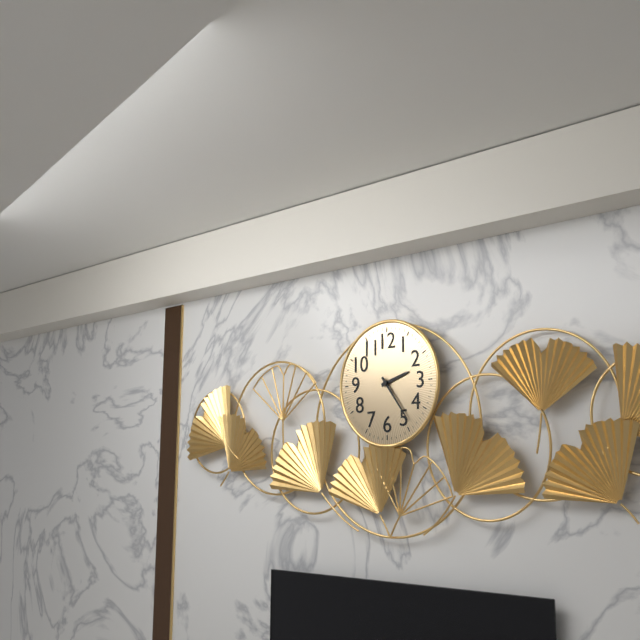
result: **2:24**
